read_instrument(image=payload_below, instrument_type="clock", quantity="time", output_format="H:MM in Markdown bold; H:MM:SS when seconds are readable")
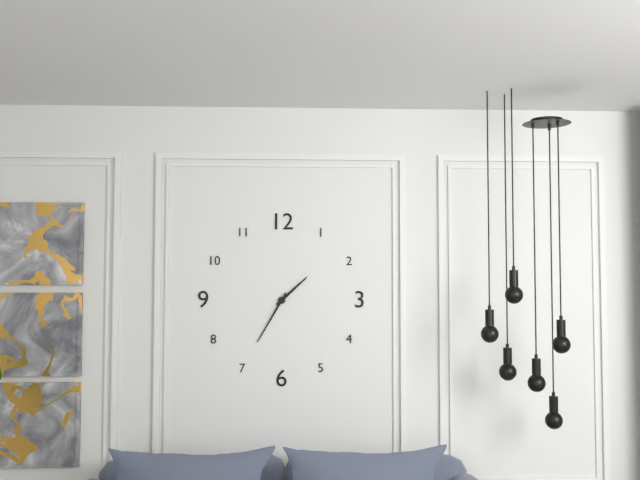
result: **1:35**
